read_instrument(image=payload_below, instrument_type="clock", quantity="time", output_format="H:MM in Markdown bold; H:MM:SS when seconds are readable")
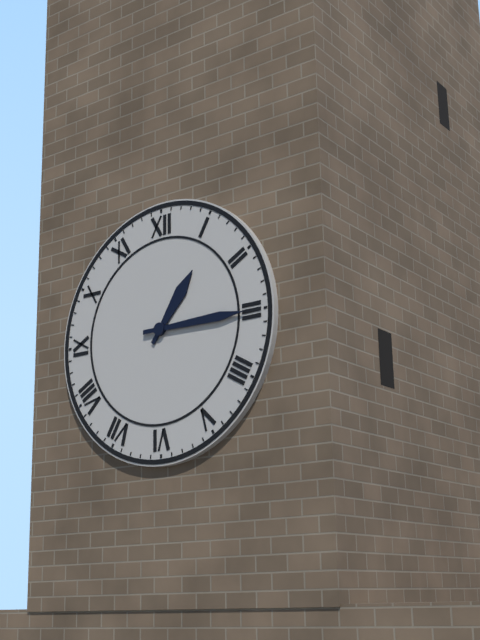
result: **1:15**
